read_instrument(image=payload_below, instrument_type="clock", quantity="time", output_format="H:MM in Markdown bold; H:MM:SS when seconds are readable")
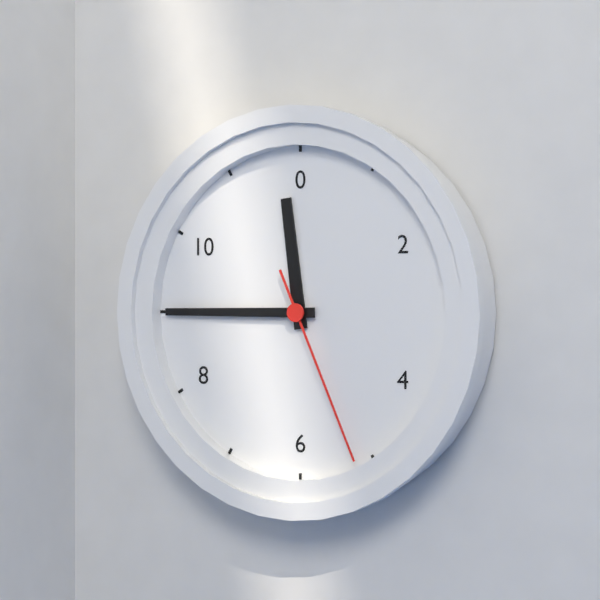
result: **11:45:26**
